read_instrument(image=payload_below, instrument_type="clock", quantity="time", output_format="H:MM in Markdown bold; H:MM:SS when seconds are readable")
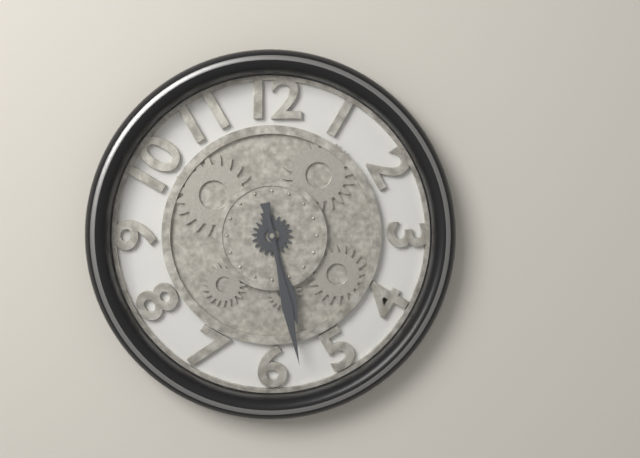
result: **5:28**
